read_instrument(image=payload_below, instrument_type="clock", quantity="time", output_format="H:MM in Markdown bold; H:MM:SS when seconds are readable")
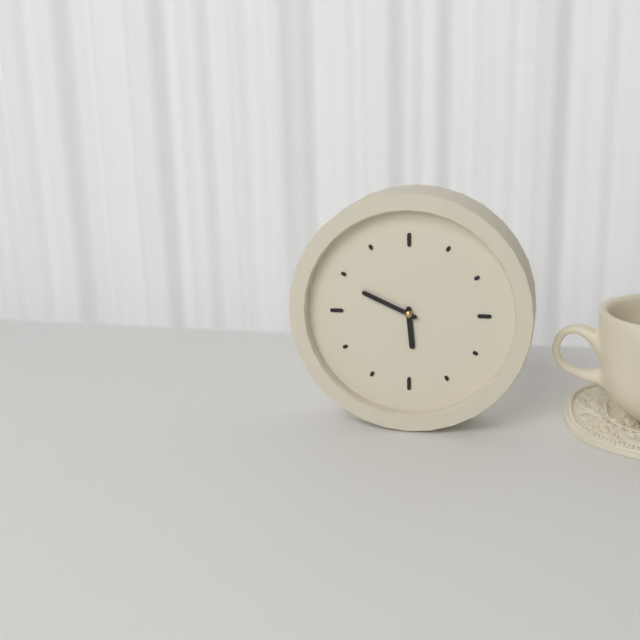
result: **5:49**
